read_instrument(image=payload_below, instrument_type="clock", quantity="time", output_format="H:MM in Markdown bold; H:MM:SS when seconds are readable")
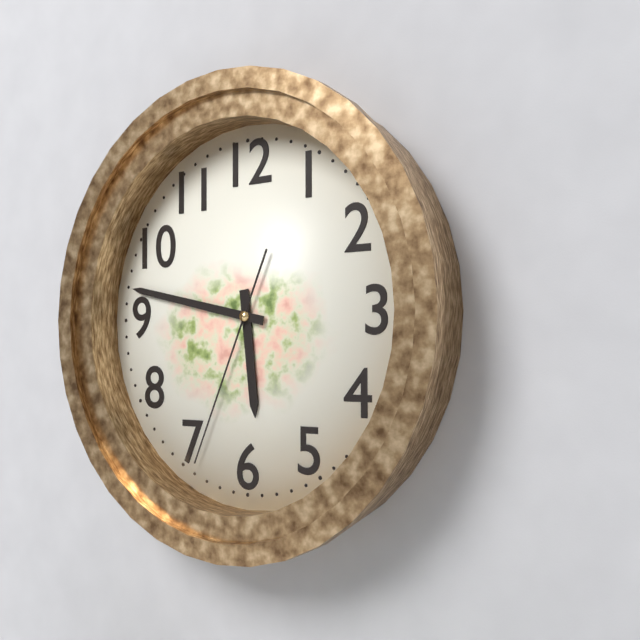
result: **5:47:34**
